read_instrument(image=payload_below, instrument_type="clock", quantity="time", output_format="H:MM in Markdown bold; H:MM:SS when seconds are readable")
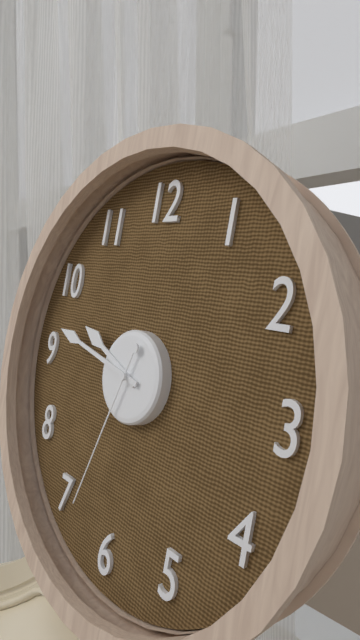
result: **9:47:33**
